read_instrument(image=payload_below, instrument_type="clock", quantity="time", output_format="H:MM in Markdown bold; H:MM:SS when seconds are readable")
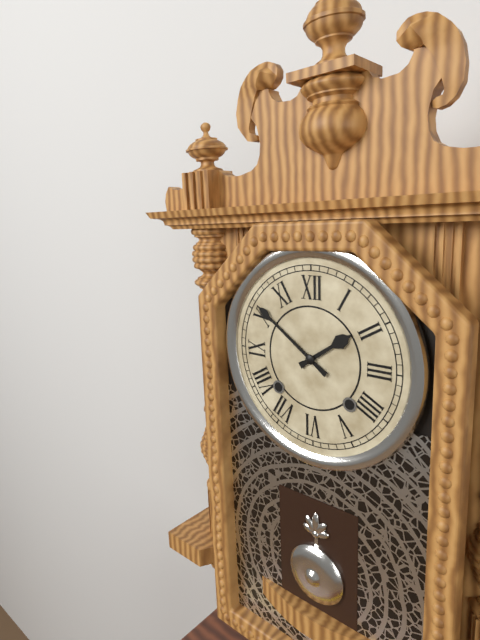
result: **1:51**
